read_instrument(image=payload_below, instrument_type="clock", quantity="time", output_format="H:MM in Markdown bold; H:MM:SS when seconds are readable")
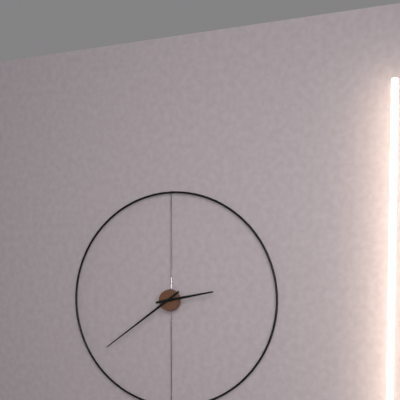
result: **2:39**
